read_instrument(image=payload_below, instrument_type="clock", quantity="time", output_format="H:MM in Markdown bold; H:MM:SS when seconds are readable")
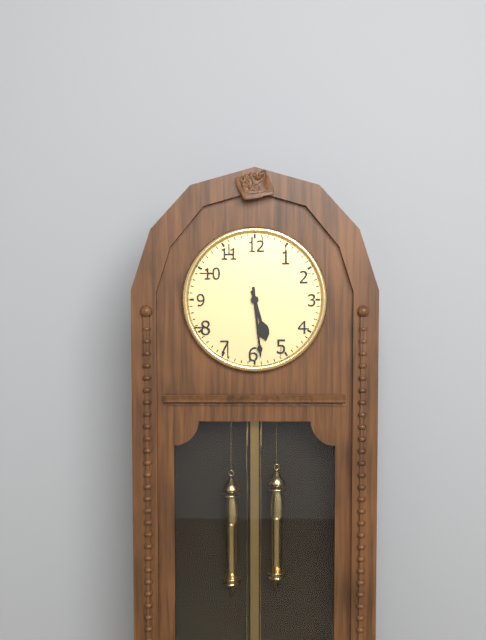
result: **5:29**
